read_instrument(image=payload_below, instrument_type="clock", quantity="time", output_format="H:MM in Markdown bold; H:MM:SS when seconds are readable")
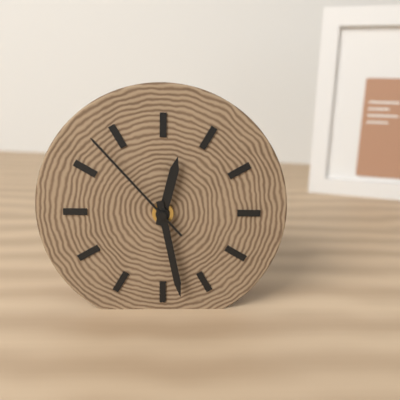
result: **12:28:53**
